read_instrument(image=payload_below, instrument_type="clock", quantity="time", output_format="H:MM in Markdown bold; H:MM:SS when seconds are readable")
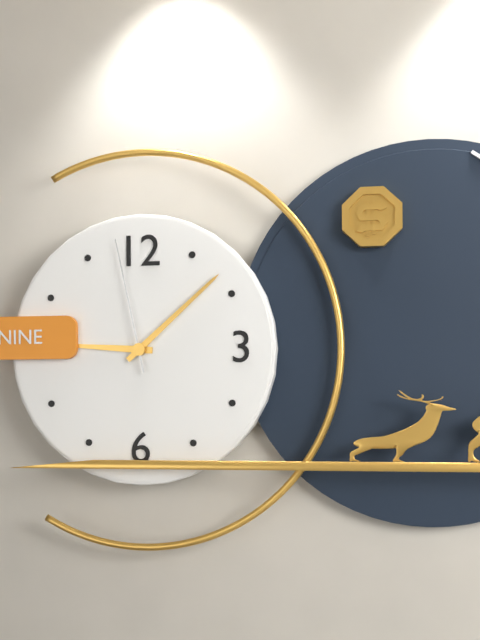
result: **9:08:58**
